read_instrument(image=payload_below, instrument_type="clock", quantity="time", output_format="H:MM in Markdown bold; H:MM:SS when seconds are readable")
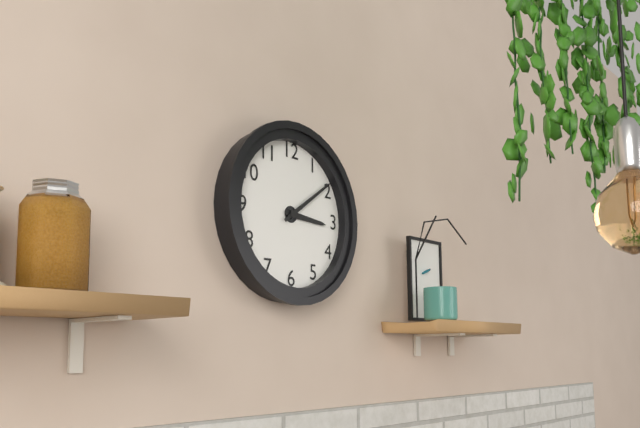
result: **3:09**
